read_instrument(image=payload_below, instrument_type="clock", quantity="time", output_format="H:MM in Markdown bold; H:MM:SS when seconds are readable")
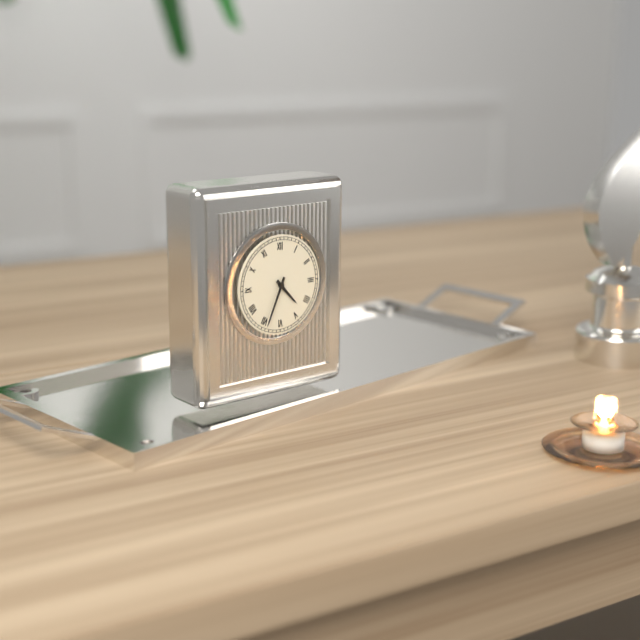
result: **4:34**
